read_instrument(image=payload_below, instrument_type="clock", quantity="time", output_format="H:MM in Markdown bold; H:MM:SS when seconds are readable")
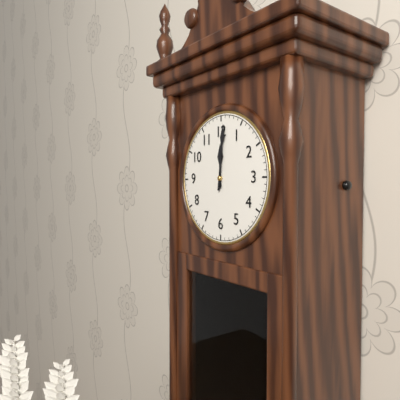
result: **12:01**
